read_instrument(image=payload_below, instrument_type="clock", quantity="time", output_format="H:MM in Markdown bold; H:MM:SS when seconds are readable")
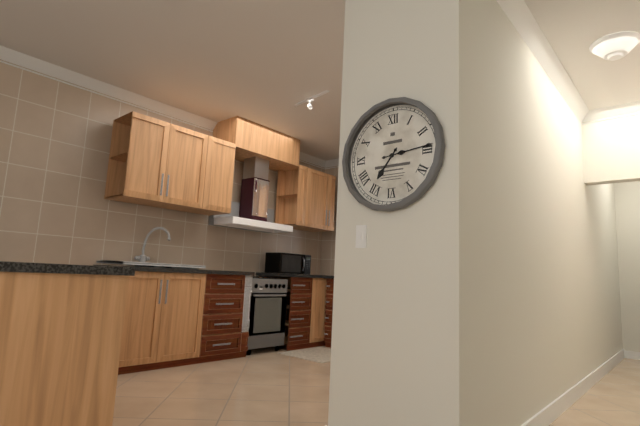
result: **7:14**
